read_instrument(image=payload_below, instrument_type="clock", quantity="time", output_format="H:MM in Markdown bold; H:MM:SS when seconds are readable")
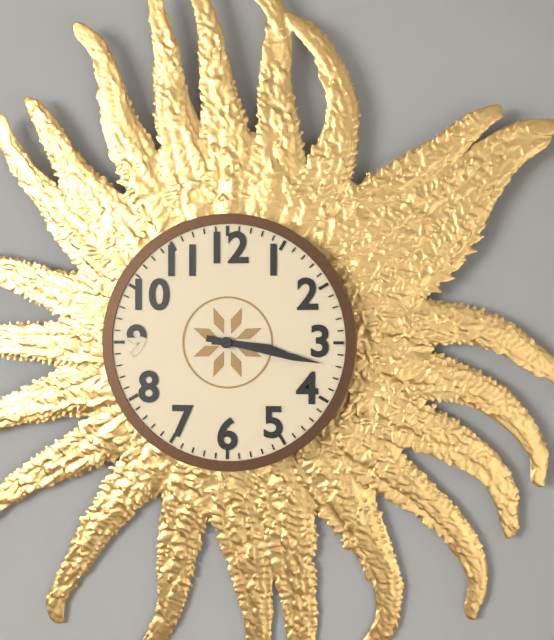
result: **3:17**
